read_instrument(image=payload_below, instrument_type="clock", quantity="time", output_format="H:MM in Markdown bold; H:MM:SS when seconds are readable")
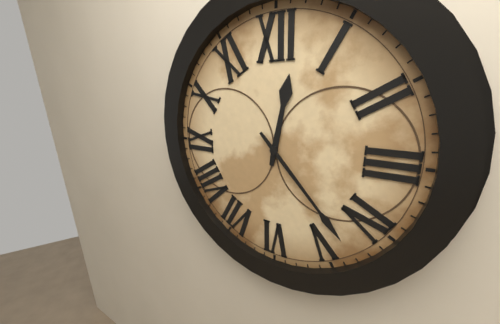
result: **12:23**
